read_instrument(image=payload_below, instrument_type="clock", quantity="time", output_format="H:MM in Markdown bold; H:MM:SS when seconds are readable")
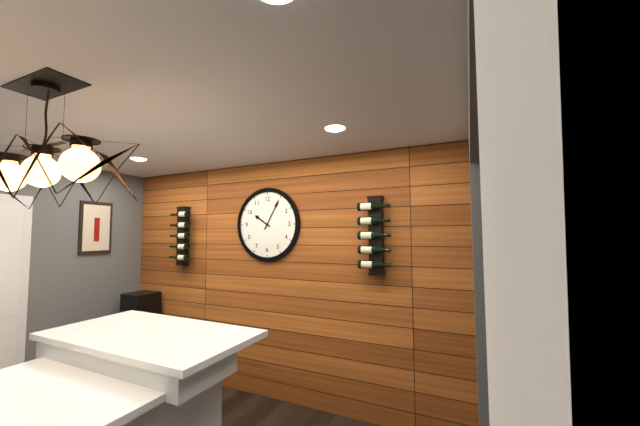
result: **10:05**
